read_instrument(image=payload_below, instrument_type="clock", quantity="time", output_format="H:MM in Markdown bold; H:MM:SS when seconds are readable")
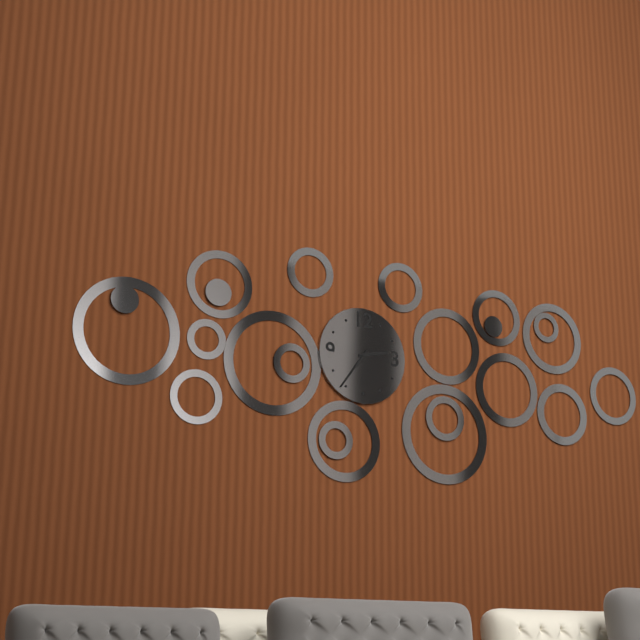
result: **2:36**
